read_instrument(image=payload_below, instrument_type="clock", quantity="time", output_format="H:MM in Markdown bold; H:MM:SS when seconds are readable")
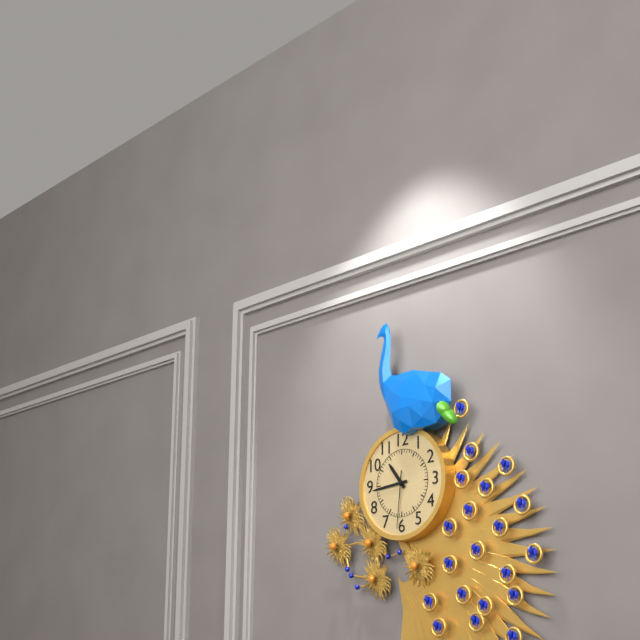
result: **10:44:31**
